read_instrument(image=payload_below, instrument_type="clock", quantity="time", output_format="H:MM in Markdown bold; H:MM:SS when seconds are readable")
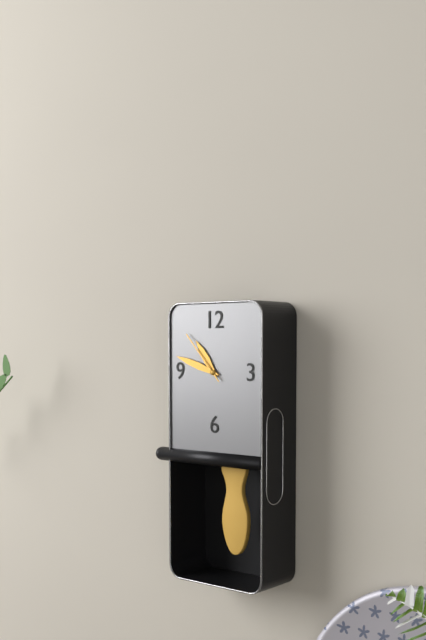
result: **10:48:53**
